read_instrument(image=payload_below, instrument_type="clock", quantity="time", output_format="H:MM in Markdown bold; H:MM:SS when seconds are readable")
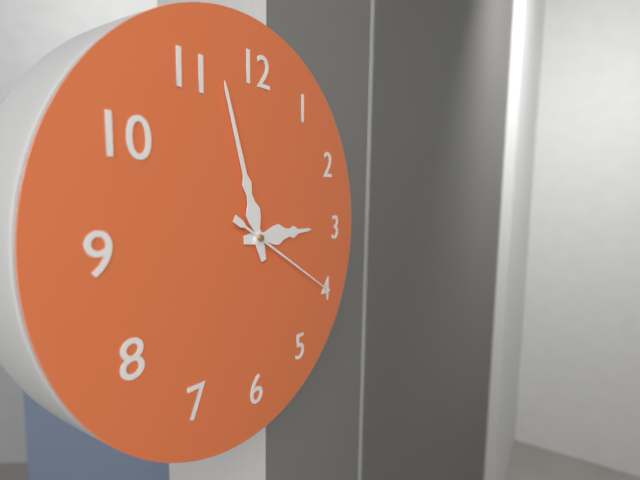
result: **2:57:20**
